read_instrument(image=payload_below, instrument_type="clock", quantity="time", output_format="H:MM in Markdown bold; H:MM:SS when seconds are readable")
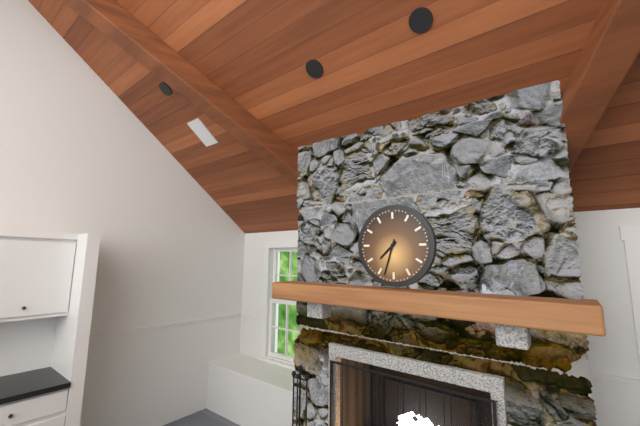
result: **7:33**
